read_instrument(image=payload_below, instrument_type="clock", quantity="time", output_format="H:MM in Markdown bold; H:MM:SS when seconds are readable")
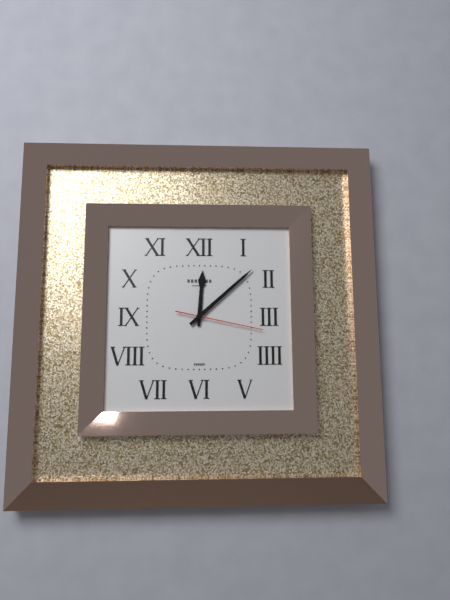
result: **12:08:17**
